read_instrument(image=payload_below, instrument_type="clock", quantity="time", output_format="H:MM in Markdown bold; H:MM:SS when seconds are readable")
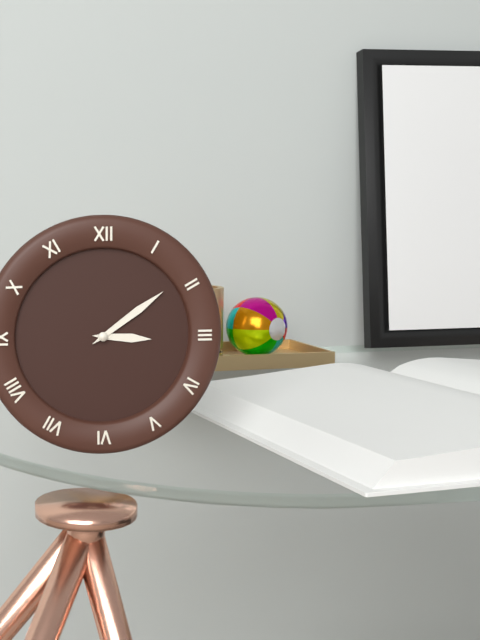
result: **3:09**
